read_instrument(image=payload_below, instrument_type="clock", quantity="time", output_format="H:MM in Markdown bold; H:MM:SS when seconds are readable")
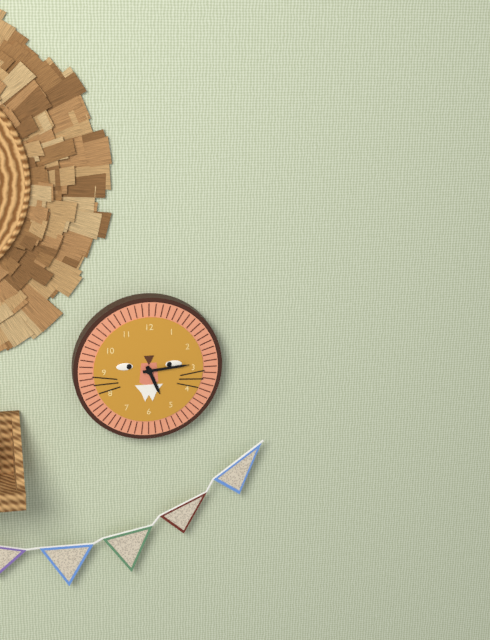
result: **5:14**
